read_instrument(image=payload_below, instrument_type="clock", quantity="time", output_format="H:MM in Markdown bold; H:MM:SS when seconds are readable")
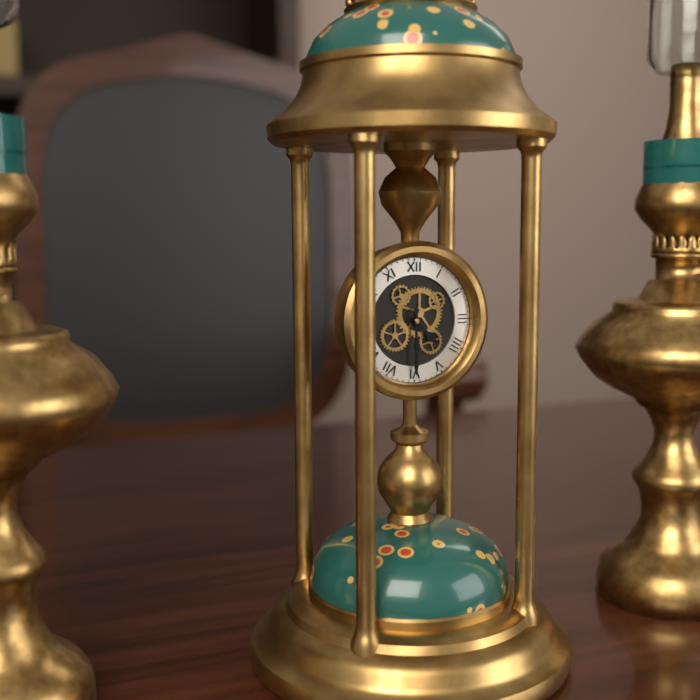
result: **4:30**
